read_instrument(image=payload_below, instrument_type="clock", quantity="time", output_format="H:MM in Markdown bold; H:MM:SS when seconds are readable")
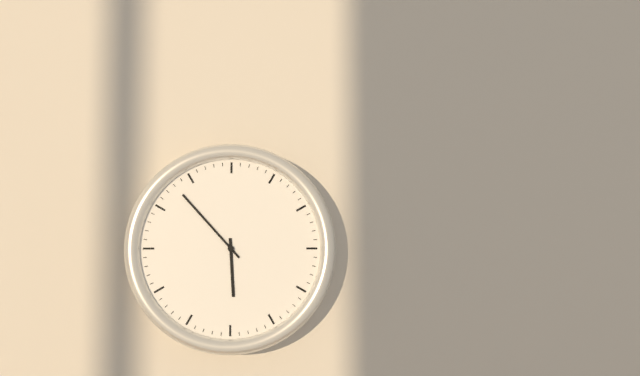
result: **5:53**
